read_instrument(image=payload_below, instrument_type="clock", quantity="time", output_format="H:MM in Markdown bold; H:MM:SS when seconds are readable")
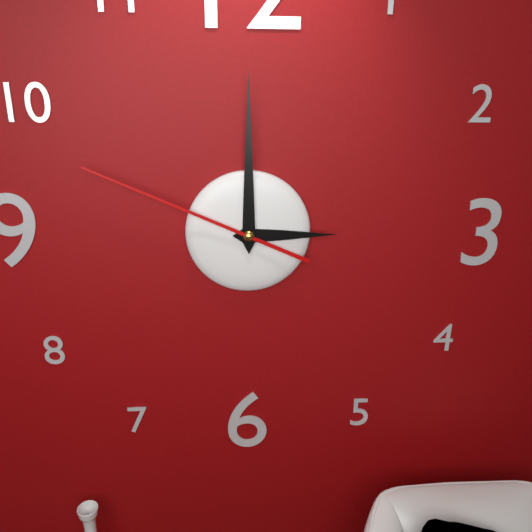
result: **3:00:49**
